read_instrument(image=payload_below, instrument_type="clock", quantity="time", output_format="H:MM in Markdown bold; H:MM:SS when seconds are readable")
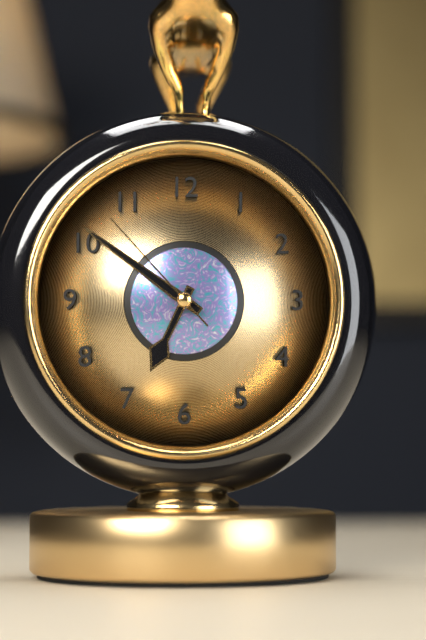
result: **6:51:53**
